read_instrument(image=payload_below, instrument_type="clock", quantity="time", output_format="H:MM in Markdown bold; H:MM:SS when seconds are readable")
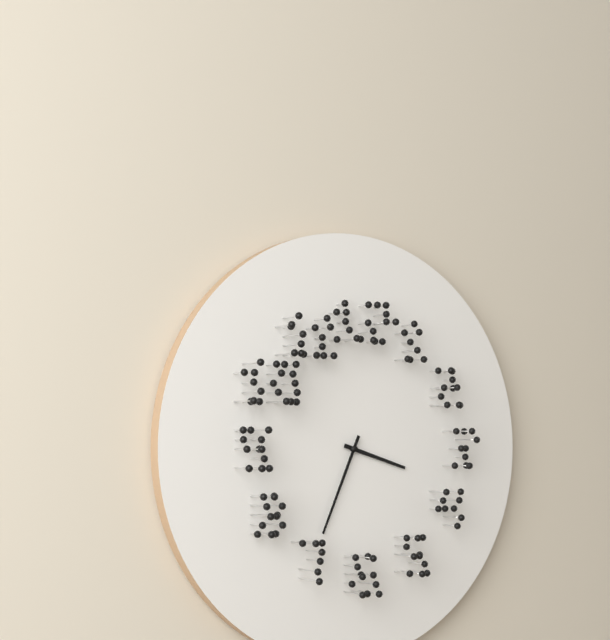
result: **3:34**
